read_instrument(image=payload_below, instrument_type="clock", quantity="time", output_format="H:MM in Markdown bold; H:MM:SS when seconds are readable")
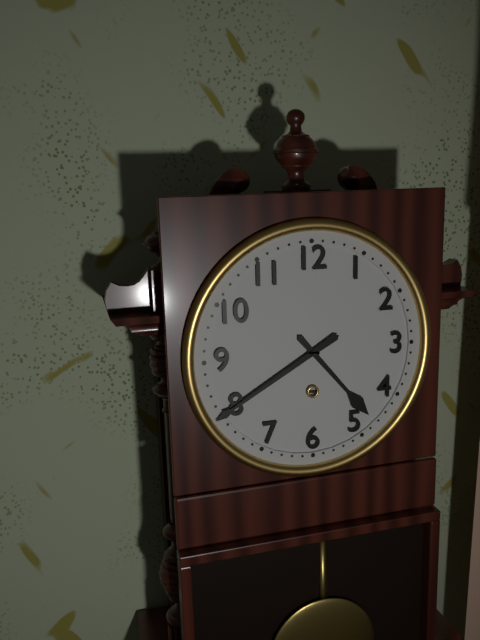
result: **4:40**
